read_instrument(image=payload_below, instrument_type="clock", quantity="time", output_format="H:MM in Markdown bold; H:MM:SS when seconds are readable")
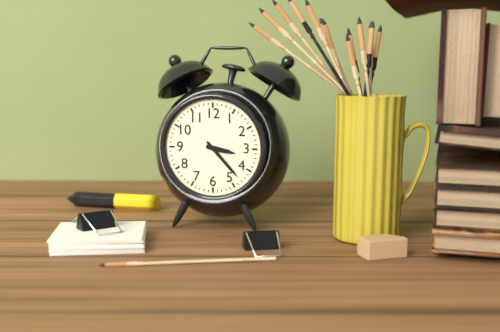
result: **3:23**
